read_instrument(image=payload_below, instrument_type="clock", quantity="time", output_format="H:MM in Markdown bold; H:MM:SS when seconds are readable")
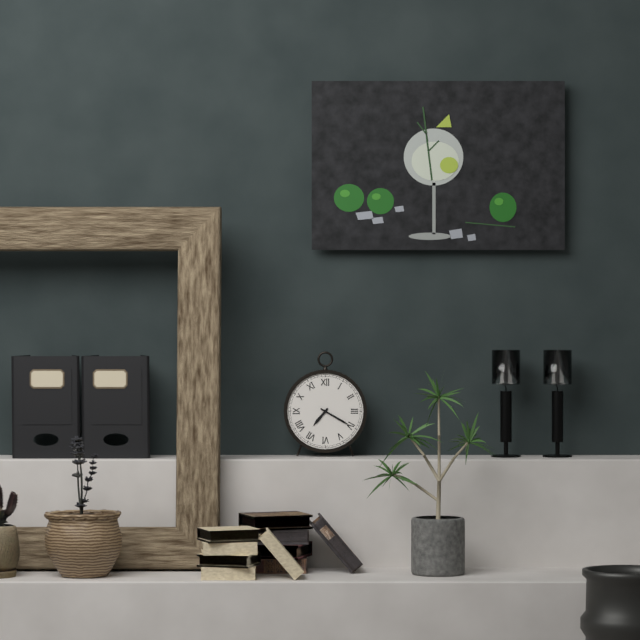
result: **7:20**
